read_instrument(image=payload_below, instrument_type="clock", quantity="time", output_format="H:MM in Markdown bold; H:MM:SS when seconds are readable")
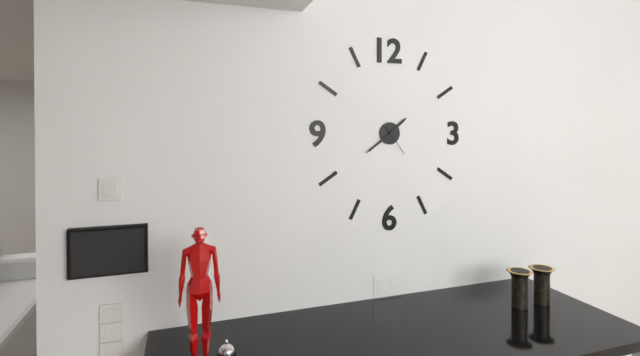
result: **1:39**
